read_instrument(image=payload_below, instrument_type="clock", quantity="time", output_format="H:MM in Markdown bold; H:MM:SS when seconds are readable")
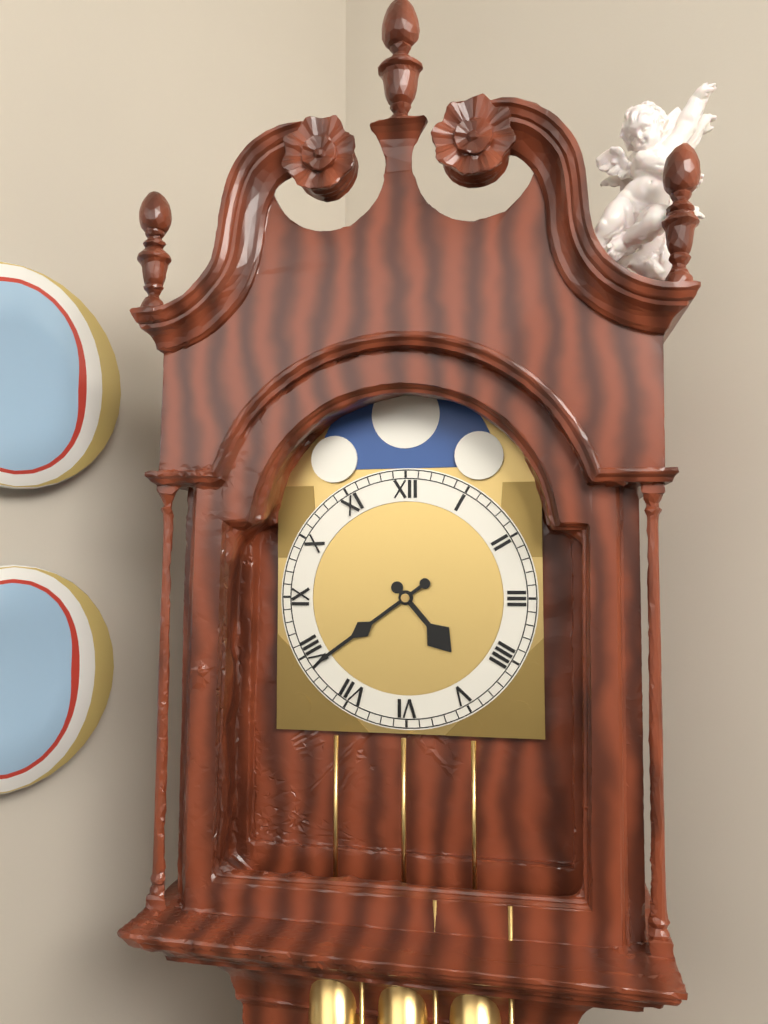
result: **4:39**
